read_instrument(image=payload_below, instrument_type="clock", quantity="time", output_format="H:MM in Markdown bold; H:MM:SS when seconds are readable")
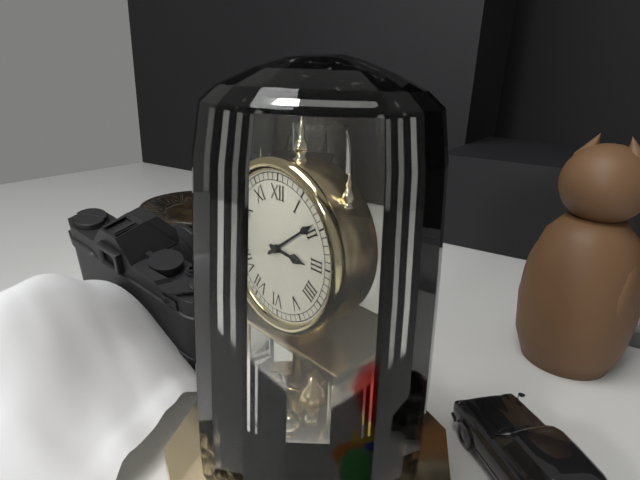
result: **3:09**
